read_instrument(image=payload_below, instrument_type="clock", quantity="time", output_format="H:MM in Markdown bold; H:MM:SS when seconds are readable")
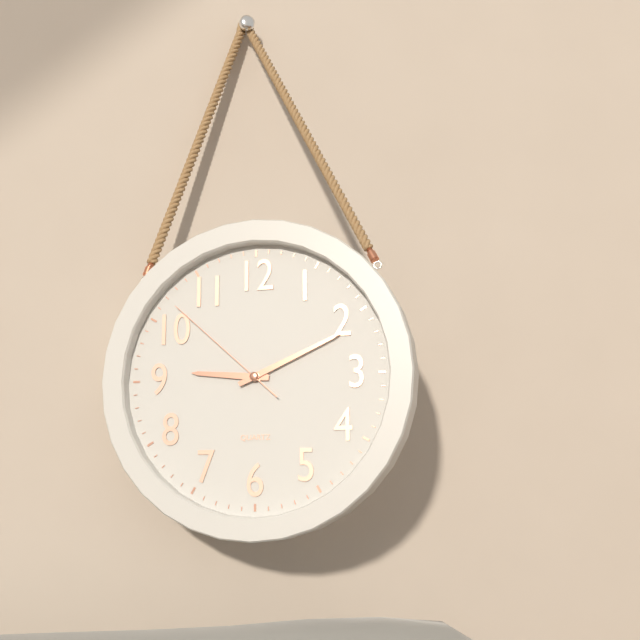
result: **9:11:52**
